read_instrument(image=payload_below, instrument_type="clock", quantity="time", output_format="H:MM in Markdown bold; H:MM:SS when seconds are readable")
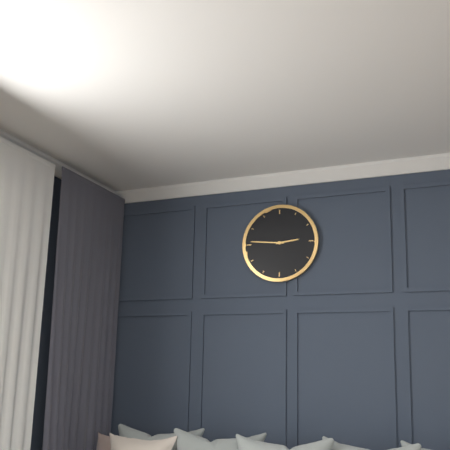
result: **2:46**
